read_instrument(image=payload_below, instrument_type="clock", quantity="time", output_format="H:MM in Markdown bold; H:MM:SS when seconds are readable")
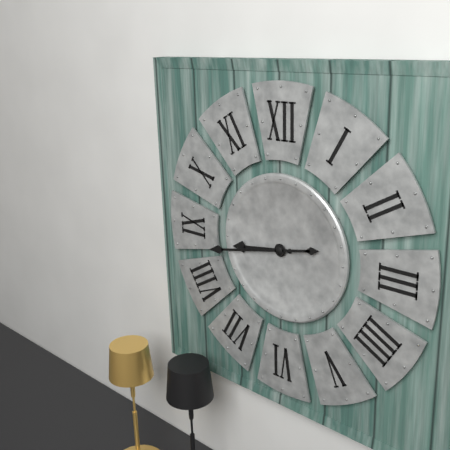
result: **8:43**
